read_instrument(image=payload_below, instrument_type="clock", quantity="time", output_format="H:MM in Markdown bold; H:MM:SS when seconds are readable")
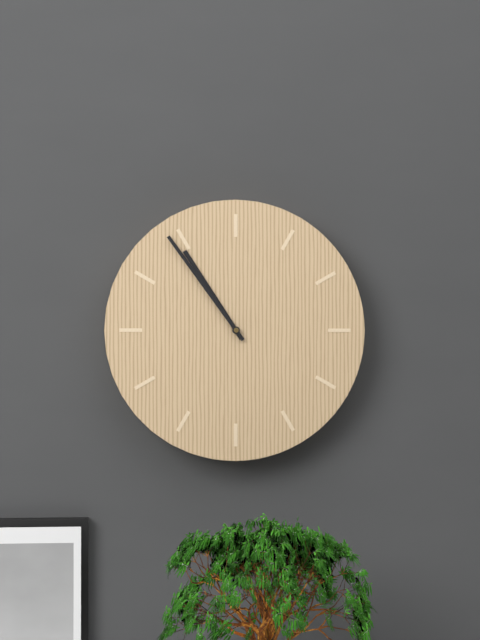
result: **10:54**
